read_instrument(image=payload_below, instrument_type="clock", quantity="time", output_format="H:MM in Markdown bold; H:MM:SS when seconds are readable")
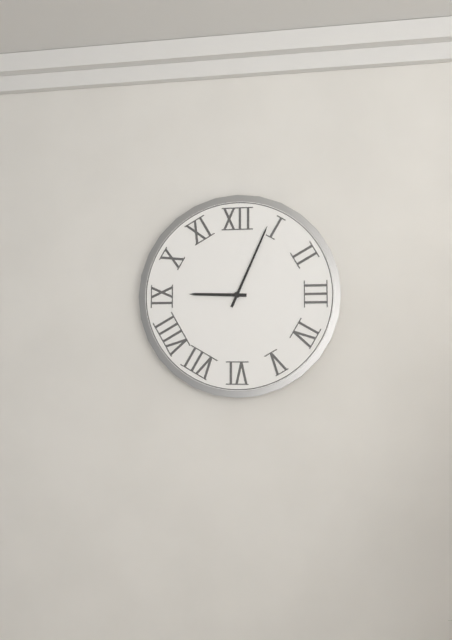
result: **9:04**
